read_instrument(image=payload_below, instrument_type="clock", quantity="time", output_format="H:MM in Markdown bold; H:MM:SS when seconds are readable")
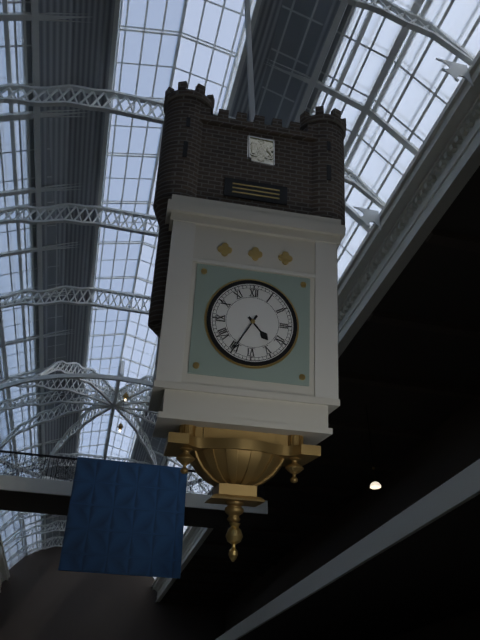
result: **4:35**
